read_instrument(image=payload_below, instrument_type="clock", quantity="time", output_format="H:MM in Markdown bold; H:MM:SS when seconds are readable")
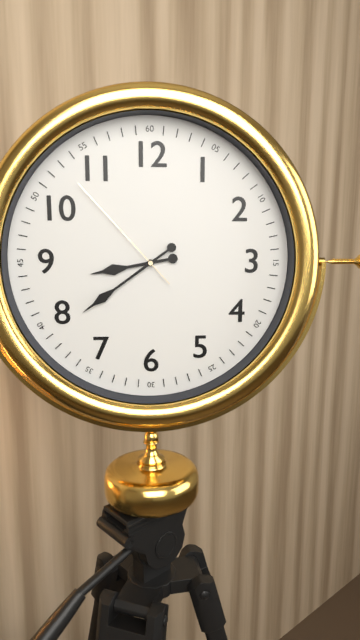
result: **8:39:53**
